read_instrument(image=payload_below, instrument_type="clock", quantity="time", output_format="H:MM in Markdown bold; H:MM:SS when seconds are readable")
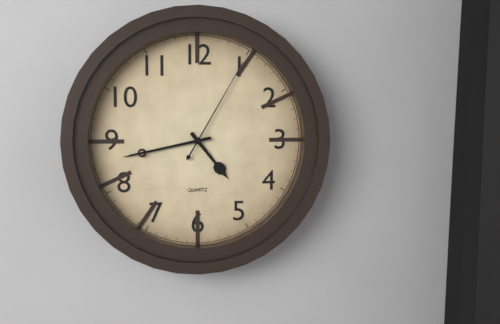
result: **4:43:05**
